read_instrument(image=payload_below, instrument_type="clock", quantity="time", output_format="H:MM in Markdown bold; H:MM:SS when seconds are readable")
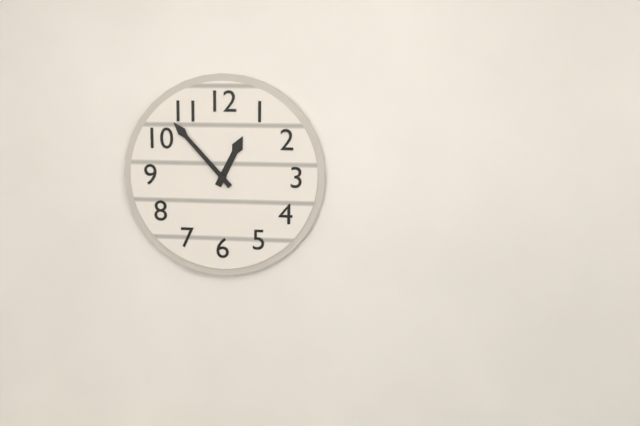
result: **12:53**
